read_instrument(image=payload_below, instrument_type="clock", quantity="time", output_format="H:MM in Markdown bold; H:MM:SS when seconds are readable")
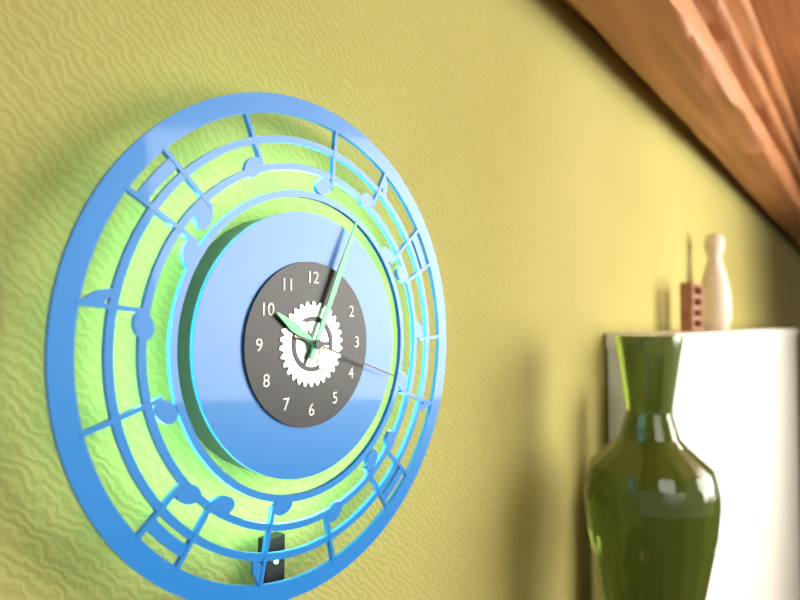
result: **10:04:18**
